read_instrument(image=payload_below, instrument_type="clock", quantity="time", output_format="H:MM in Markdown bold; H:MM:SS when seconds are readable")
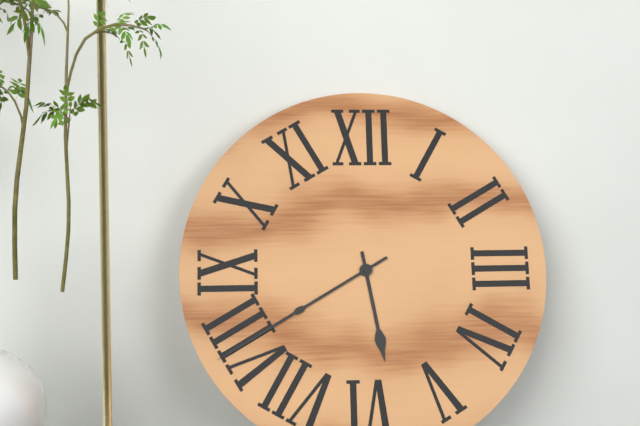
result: **5:40**
